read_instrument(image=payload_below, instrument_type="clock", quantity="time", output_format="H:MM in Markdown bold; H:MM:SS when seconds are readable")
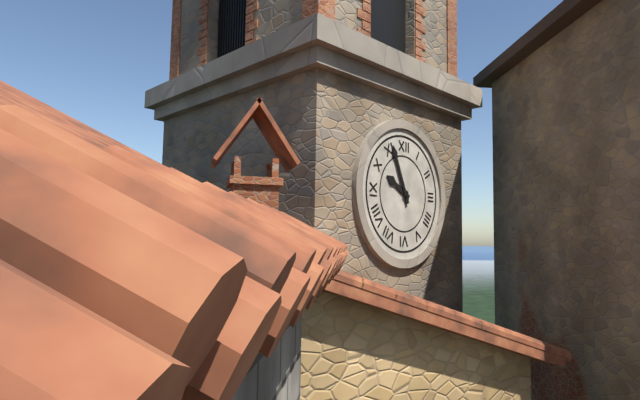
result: **9:56**
